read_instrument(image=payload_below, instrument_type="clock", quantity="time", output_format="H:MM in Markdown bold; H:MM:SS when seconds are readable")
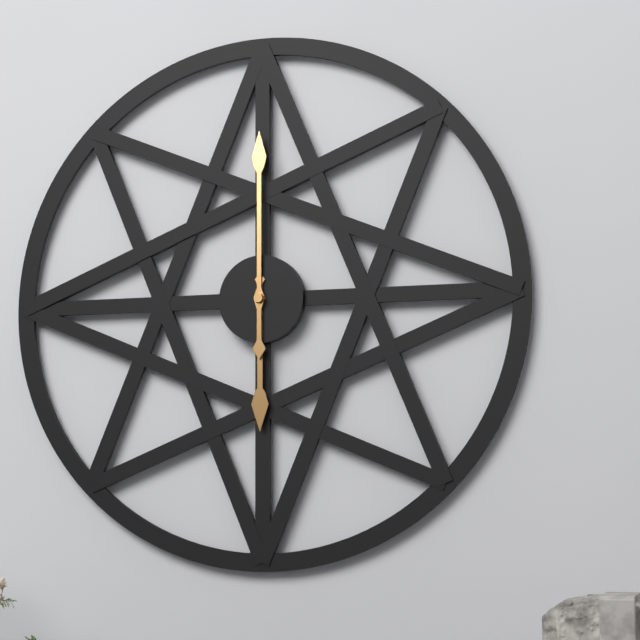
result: **6:00**
